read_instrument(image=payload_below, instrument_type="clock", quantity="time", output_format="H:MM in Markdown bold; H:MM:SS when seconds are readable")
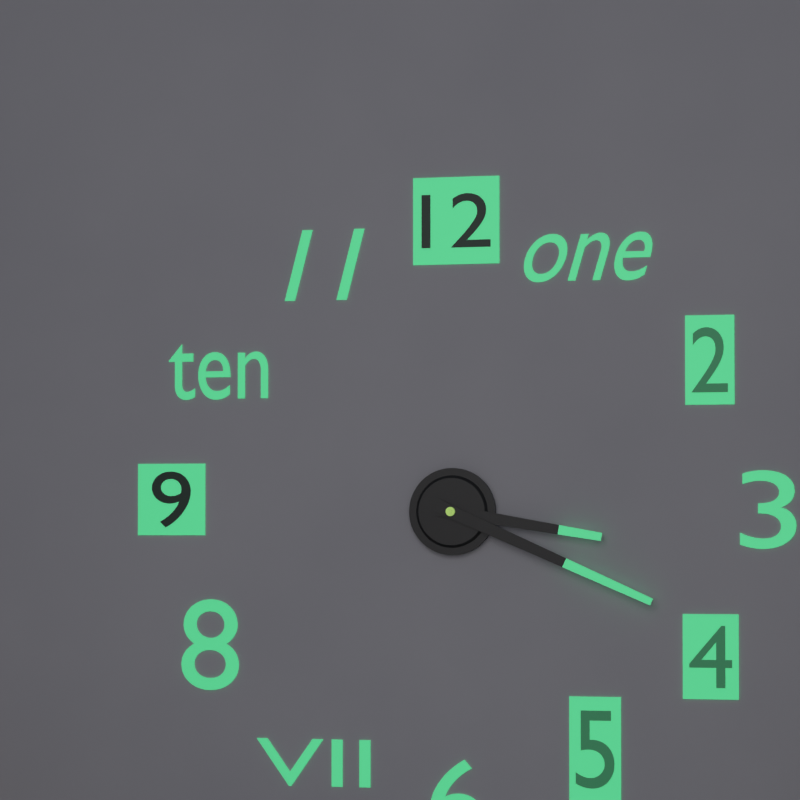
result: **3:19**
